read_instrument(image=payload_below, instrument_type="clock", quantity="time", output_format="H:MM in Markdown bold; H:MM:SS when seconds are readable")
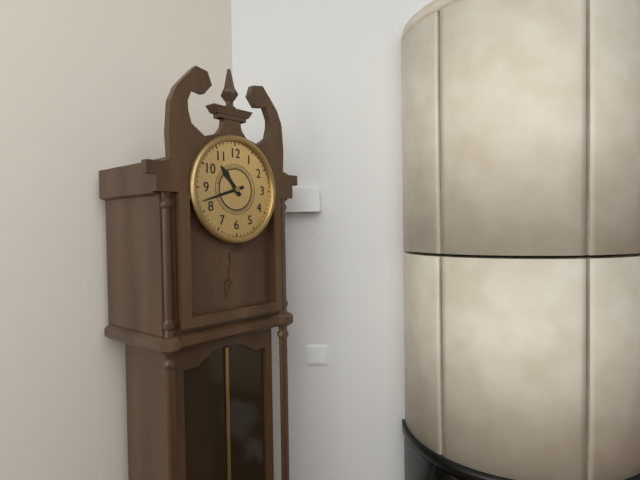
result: **10:42**
